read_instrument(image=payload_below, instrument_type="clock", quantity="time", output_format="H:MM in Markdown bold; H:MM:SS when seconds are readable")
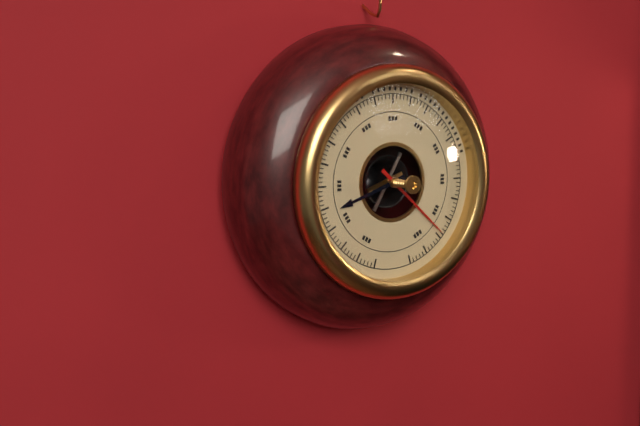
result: **8:22**
